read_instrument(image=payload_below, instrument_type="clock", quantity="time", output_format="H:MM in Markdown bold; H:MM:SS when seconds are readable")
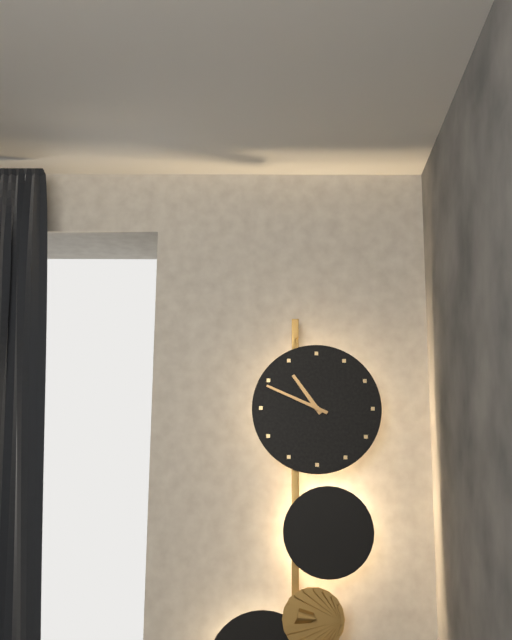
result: **10:49**
